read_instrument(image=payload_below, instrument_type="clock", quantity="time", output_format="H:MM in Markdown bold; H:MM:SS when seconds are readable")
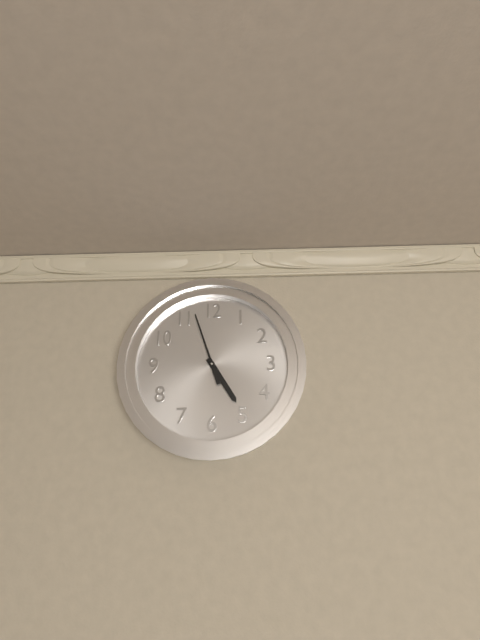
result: **4:57**
